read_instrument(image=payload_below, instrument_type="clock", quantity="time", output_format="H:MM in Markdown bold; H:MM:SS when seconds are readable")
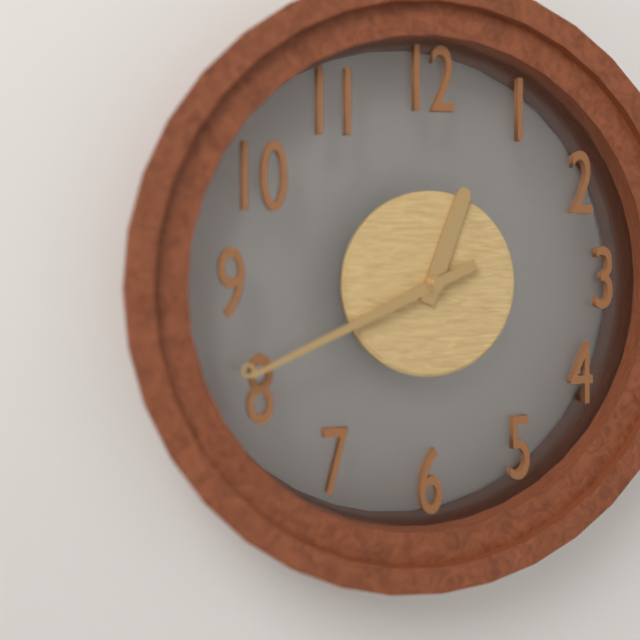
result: **12:41**
